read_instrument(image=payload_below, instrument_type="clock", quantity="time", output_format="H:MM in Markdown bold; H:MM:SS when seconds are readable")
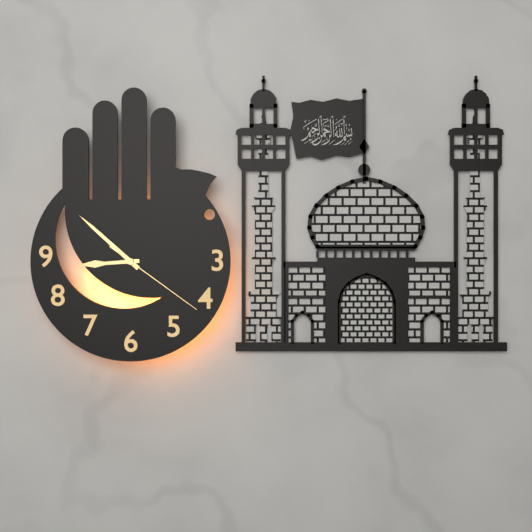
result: **8:52:21**
